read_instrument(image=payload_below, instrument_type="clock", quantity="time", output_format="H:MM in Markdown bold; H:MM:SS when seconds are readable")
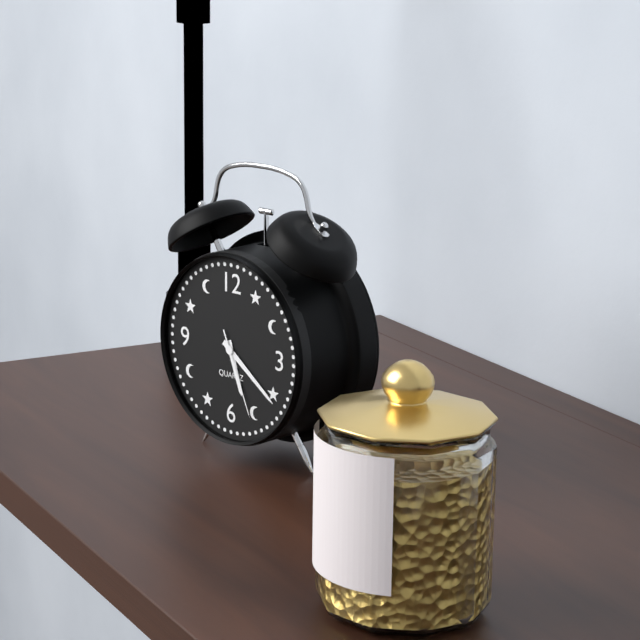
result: **5:21:26**
